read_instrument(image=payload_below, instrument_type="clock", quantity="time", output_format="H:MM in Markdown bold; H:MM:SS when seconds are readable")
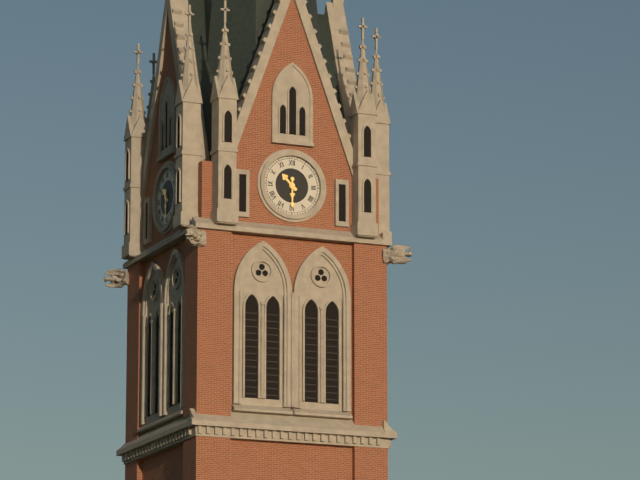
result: **10:30**
